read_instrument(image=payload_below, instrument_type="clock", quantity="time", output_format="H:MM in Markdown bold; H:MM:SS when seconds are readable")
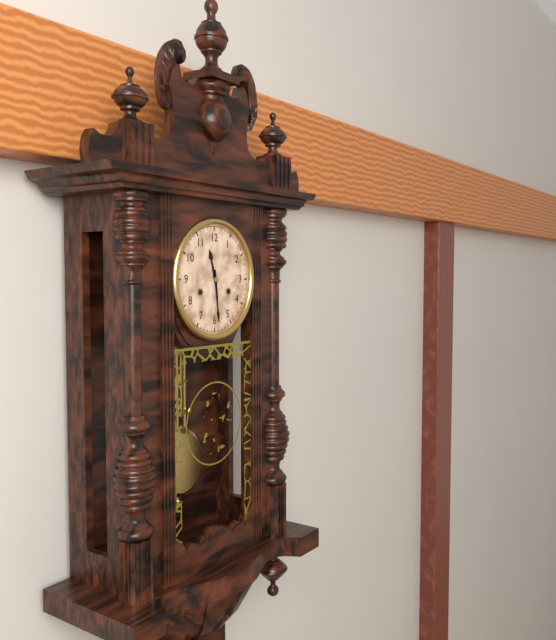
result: **11:29**
